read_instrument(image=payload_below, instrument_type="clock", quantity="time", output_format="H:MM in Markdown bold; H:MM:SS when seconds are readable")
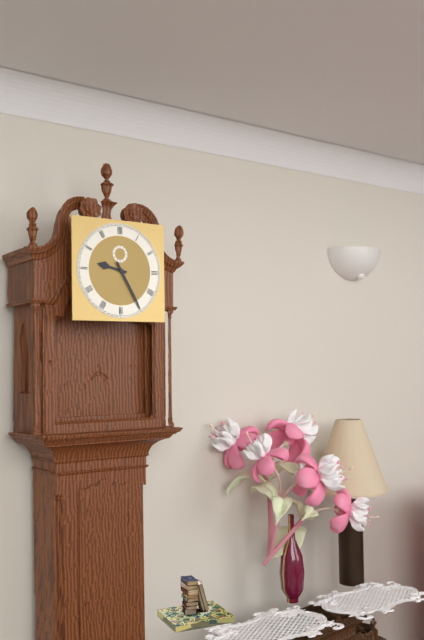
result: **9:25**
